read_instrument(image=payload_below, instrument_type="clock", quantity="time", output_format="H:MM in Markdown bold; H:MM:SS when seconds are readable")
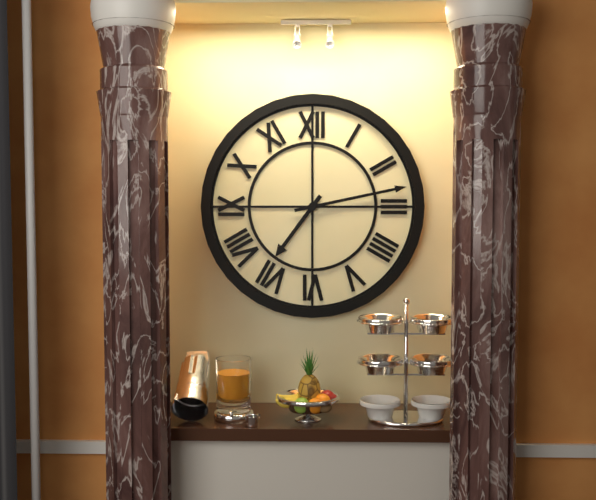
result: **7:13**
